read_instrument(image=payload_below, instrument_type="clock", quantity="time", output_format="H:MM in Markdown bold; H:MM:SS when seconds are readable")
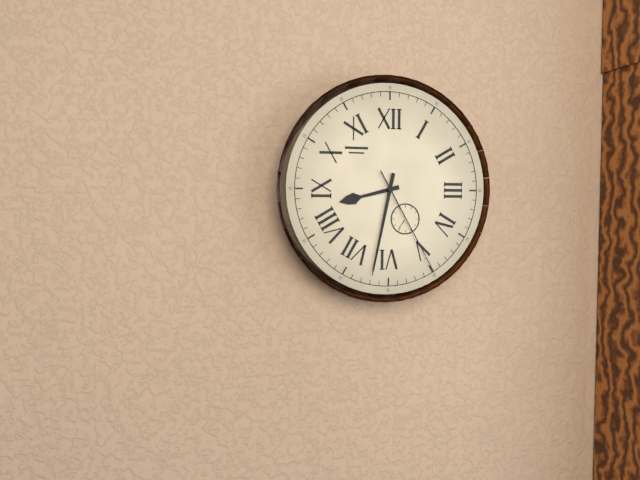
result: **8:32:25**
